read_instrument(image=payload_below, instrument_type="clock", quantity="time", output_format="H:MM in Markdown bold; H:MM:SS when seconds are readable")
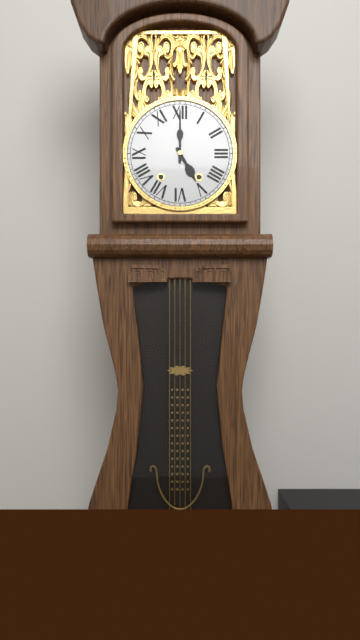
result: **5:00**
